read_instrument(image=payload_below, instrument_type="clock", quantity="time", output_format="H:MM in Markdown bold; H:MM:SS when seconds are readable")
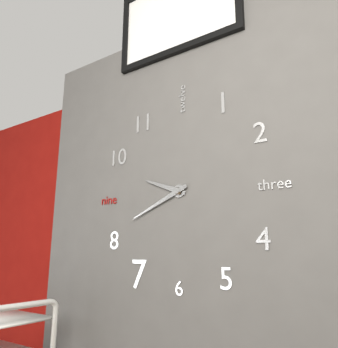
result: **9:41**
